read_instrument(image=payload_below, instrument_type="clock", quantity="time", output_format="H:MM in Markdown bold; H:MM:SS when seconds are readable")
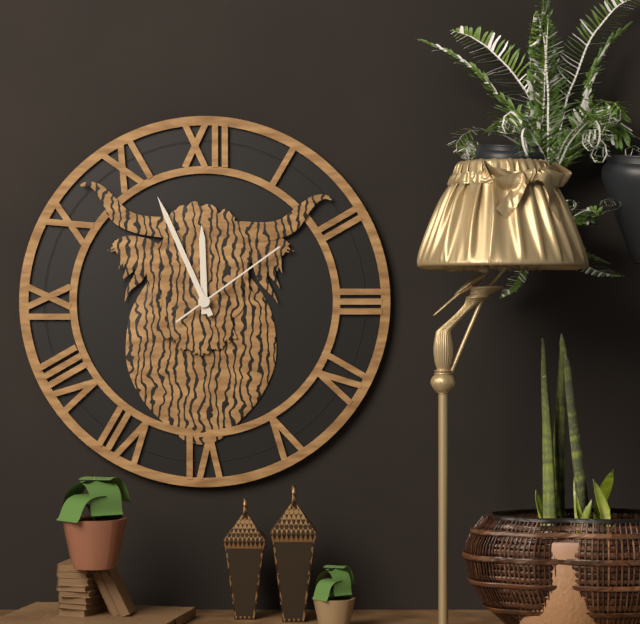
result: **11:56:09**
